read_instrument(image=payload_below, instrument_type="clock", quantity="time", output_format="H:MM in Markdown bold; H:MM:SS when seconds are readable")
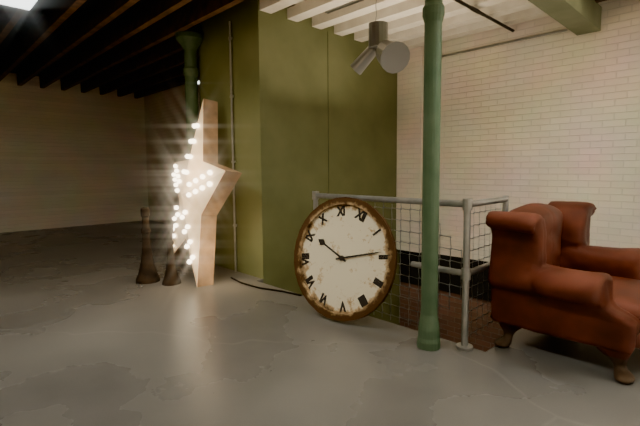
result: **9:09**
